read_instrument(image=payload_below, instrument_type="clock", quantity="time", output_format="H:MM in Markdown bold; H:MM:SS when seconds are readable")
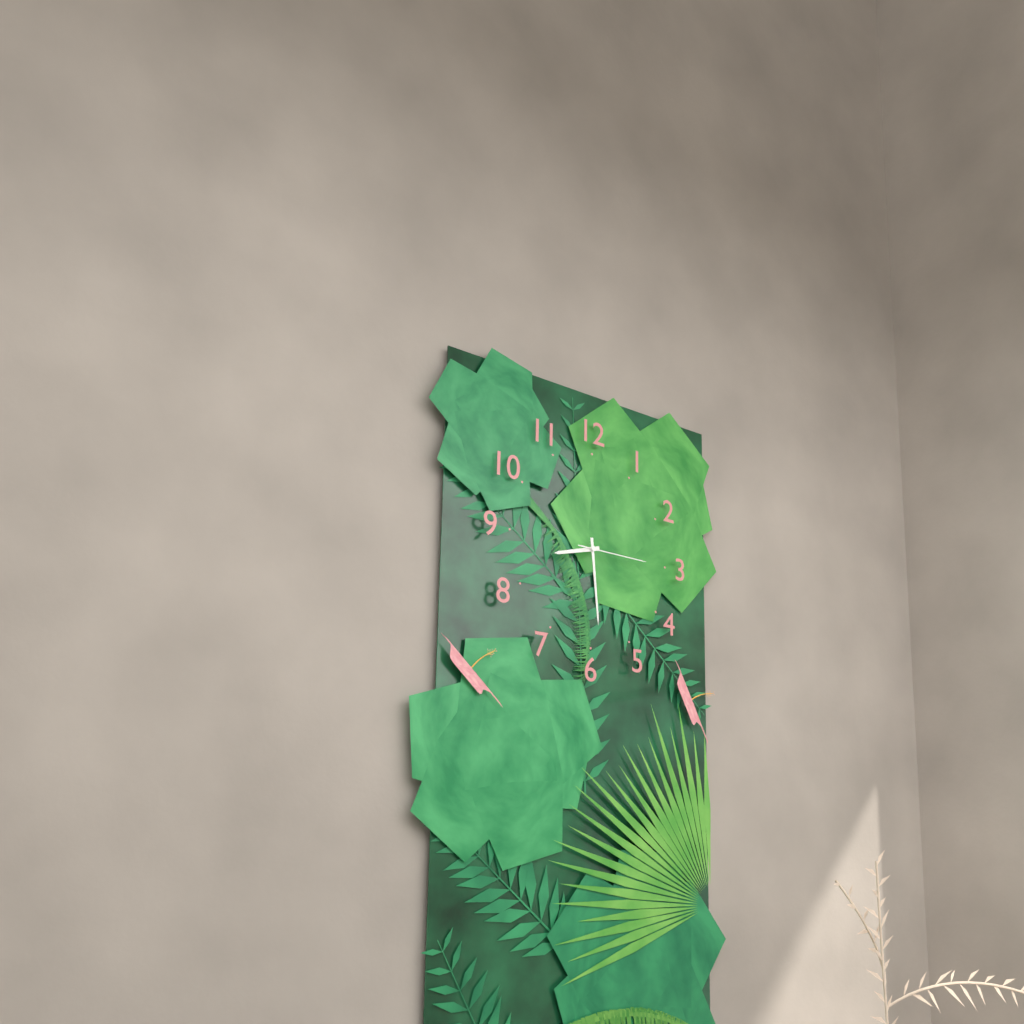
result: **8:29:15**
